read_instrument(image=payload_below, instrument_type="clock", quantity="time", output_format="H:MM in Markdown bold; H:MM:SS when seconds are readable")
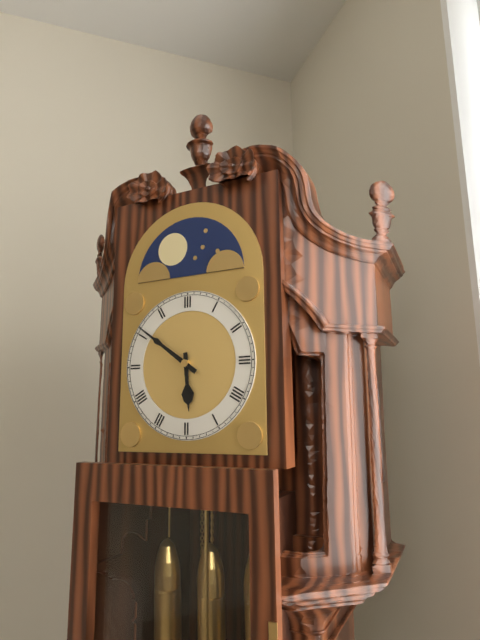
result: **5:51**
